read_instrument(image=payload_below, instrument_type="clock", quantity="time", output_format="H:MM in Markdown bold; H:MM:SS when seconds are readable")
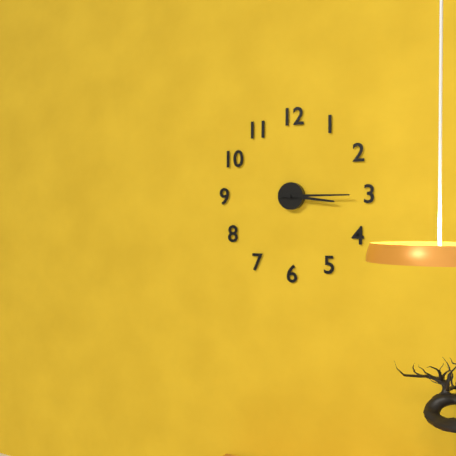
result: **3:15**
